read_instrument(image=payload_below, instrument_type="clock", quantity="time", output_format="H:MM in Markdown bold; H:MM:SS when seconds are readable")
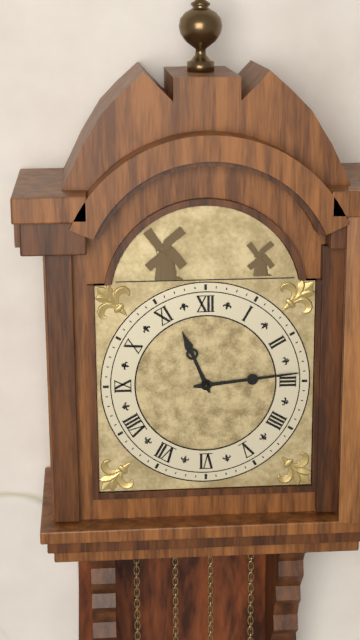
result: **11:14**
